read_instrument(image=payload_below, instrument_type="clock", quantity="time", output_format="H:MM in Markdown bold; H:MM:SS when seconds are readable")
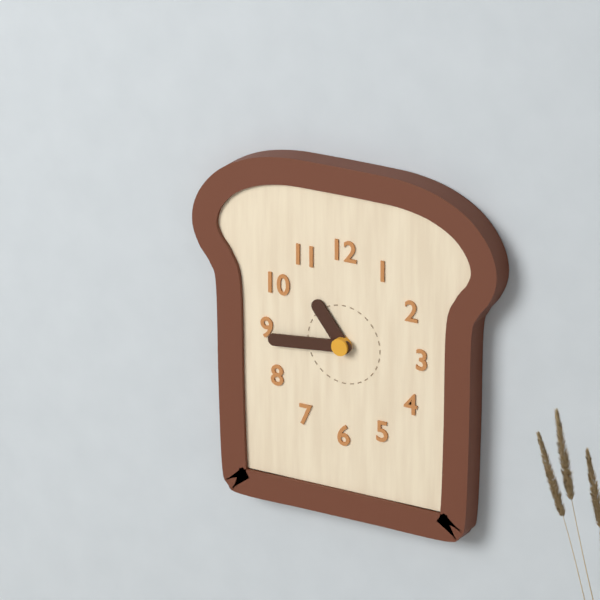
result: **10:44**
